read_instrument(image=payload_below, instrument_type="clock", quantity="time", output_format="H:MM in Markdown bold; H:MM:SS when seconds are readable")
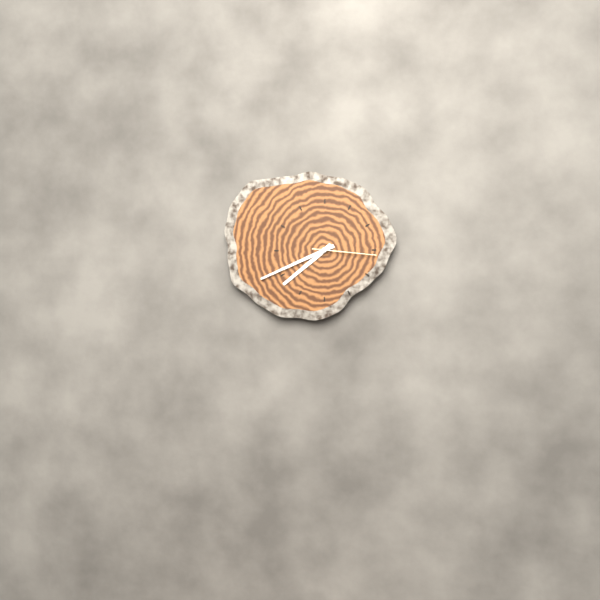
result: **7:41:16**
